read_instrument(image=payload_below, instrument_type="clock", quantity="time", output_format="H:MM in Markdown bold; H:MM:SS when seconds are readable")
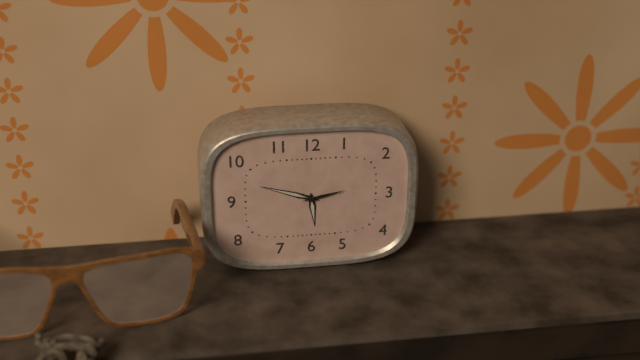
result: **5:48**
